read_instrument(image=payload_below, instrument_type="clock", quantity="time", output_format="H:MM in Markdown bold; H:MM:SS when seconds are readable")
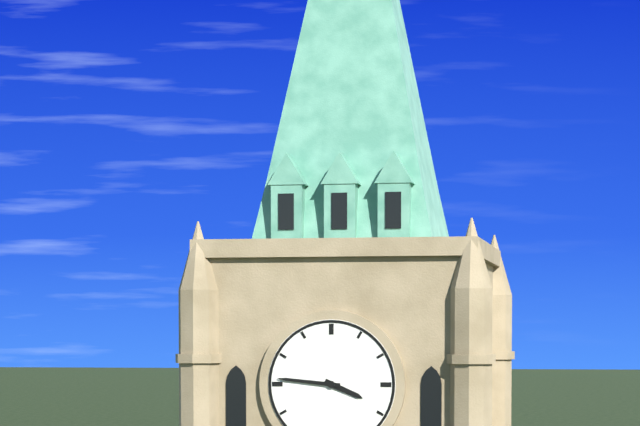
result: **3:46**
